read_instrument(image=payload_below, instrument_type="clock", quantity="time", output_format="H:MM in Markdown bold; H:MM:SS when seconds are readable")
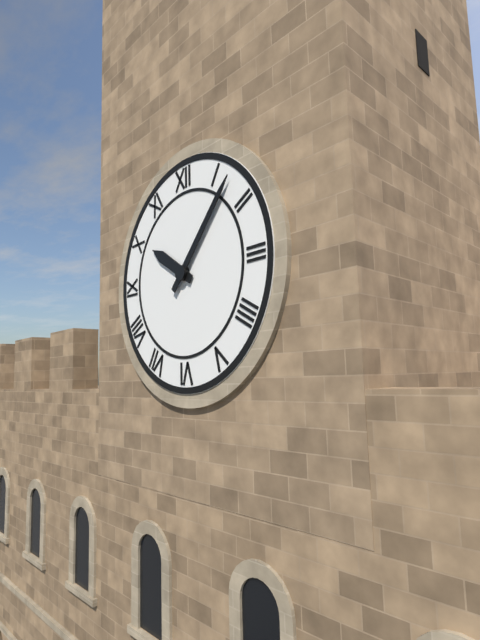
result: **10:07**
